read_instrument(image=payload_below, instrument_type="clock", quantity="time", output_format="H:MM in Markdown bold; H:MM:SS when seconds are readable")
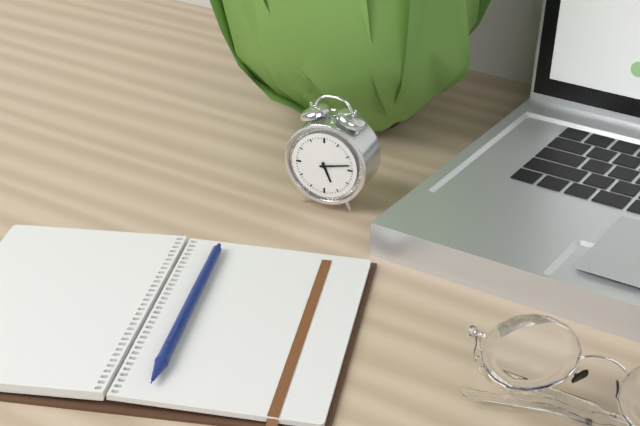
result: **5:13**
